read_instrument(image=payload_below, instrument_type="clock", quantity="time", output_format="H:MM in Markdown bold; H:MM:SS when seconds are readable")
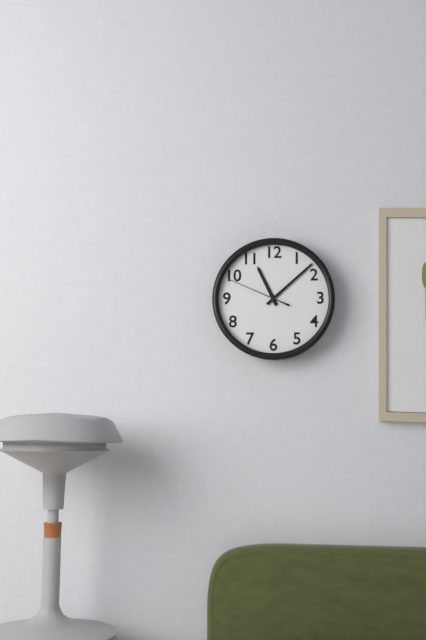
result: **11:08:49**
